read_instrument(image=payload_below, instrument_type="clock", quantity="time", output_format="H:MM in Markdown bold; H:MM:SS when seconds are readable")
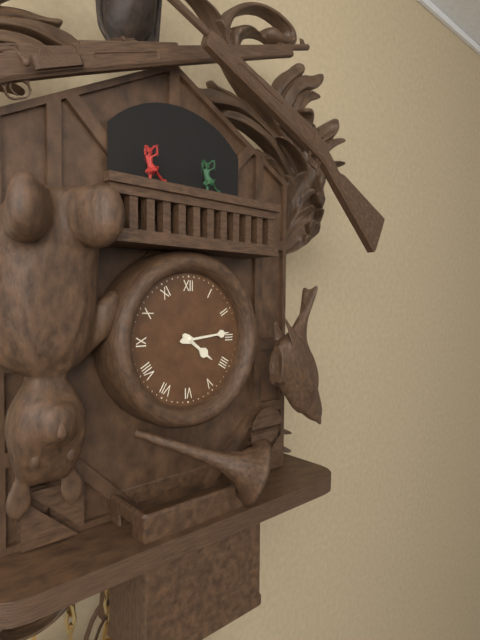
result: **4:14**
